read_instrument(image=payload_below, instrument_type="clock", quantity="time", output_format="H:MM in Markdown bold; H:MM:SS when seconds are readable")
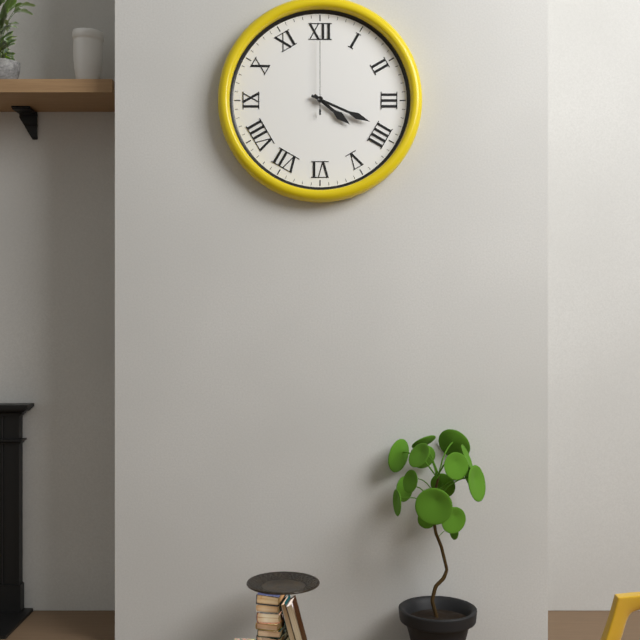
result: **4:19:00**
